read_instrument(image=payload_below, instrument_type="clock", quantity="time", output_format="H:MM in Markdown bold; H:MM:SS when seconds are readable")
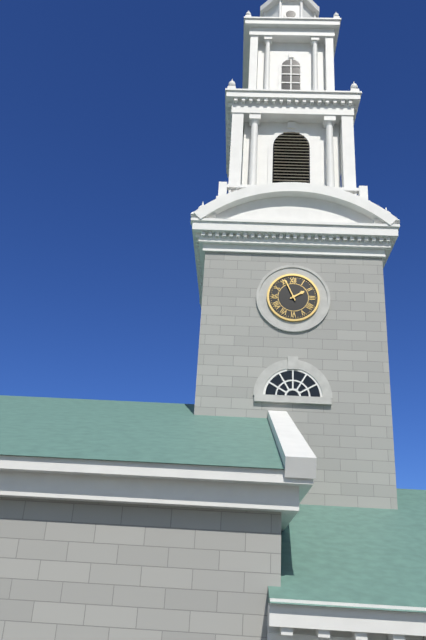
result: **1:56**
